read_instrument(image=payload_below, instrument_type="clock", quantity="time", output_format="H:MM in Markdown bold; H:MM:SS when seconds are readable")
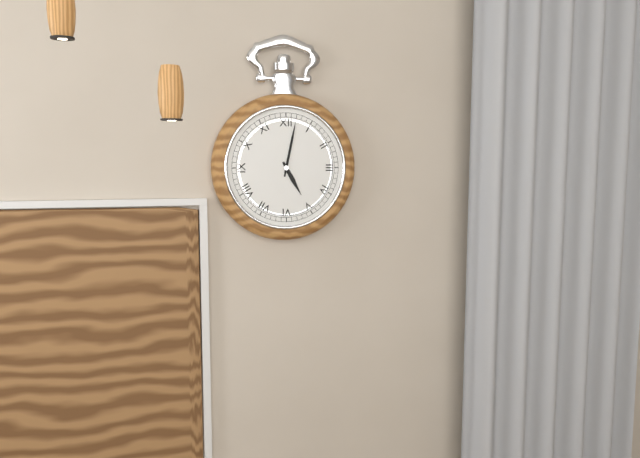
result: **5:02**
